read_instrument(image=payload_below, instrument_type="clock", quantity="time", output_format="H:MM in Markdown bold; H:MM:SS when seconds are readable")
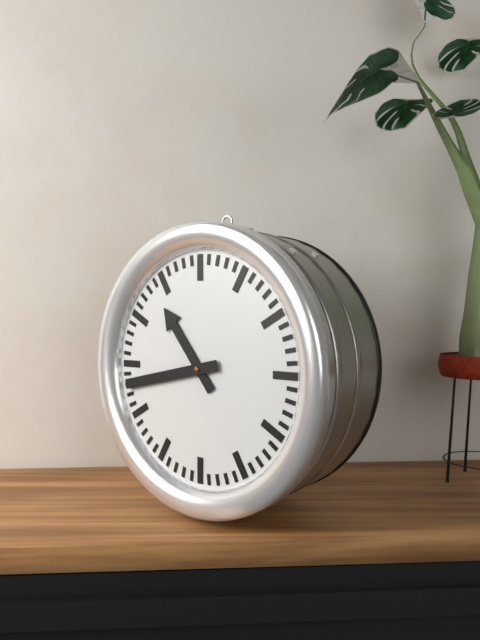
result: **10:43**
